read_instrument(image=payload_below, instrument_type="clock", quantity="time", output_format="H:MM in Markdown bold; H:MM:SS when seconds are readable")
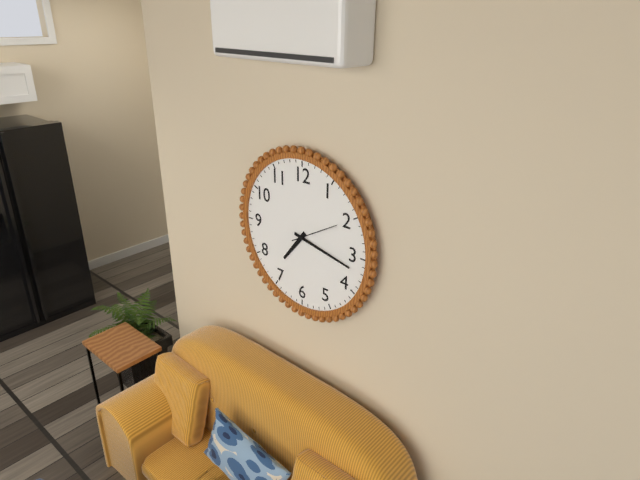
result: **7:17**
